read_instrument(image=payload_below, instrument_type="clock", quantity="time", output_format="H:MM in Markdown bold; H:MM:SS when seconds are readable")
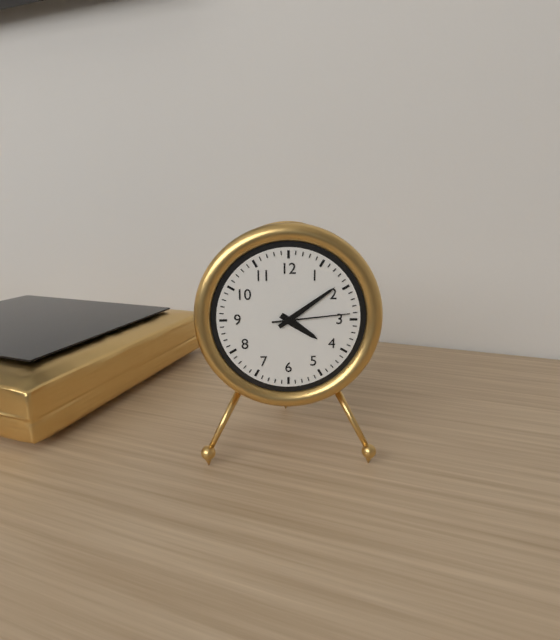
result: **4:09:14**
